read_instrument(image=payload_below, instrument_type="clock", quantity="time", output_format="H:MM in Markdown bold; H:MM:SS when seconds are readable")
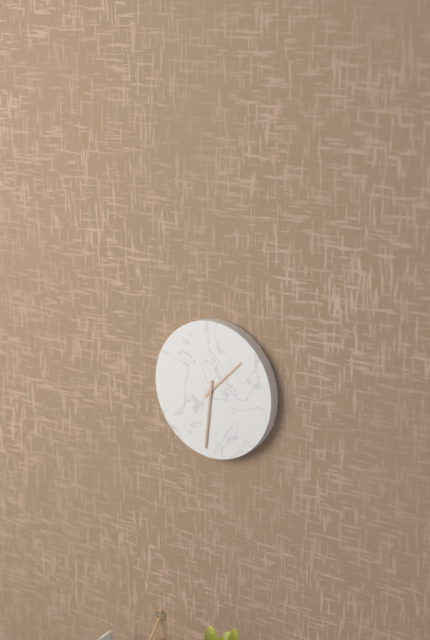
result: **1:31**
